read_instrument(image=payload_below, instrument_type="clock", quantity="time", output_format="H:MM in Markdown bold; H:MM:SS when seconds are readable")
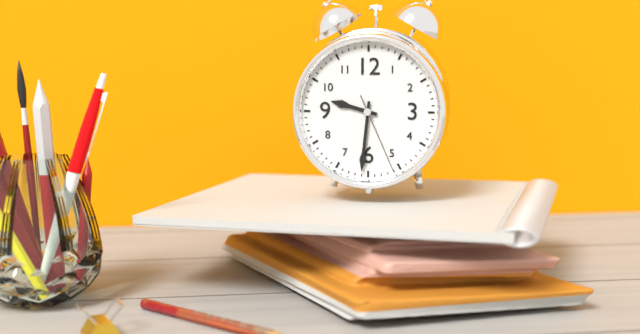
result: **9:31:26**
